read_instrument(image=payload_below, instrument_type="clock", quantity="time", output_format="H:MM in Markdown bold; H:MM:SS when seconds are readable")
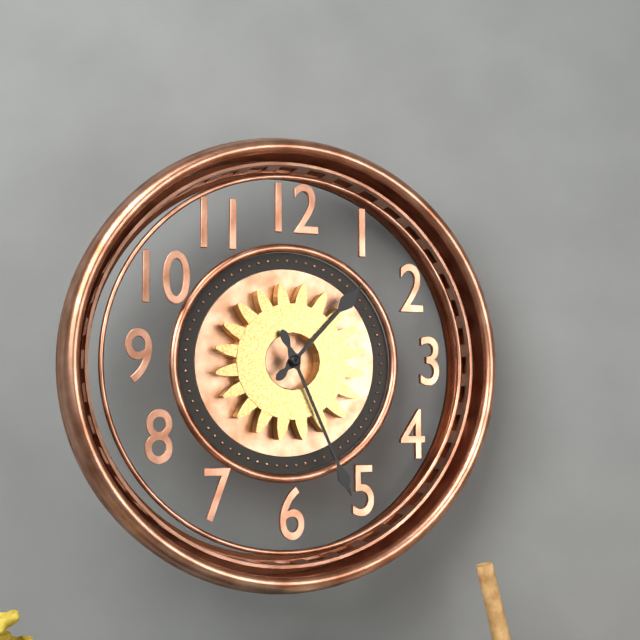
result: **1:26**
